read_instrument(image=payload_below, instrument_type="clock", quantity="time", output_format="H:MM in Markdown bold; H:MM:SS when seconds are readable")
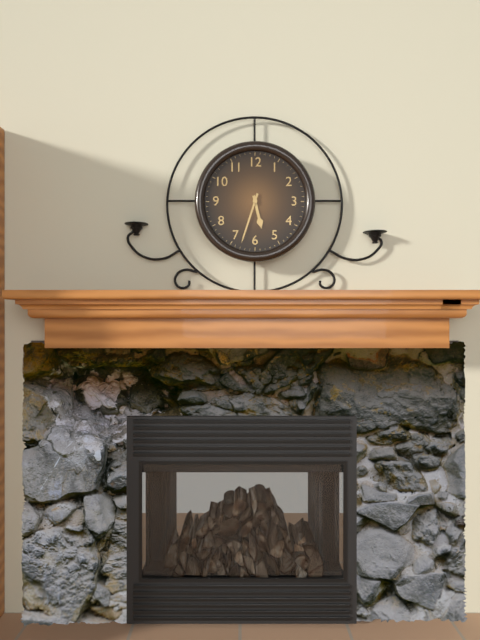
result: **5:33**
